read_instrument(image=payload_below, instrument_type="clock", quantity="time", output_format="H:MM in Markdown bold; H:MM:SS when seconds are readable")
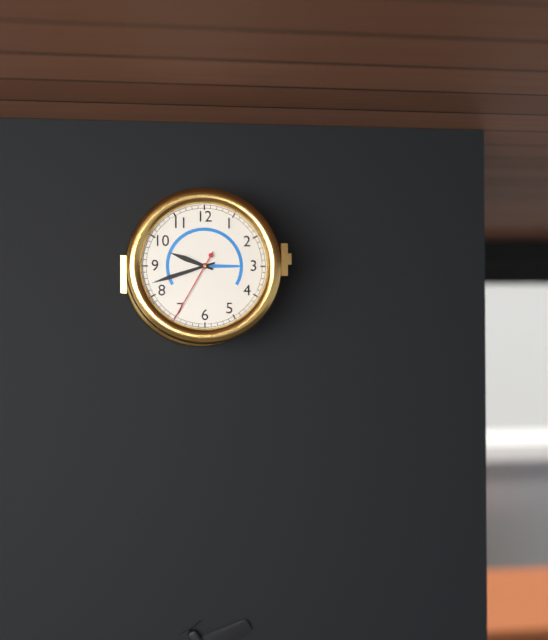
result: **9:42:35**
